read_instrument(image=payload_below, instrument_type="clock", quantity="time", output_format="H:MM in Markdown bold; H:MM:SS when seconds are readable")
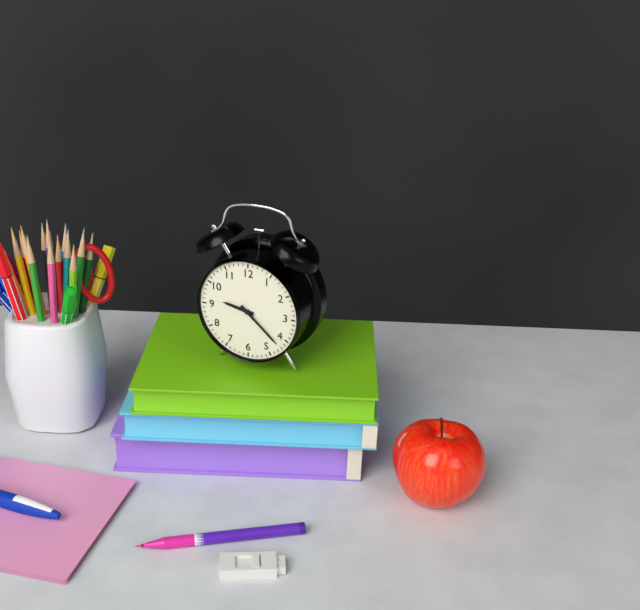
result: **9:22**
